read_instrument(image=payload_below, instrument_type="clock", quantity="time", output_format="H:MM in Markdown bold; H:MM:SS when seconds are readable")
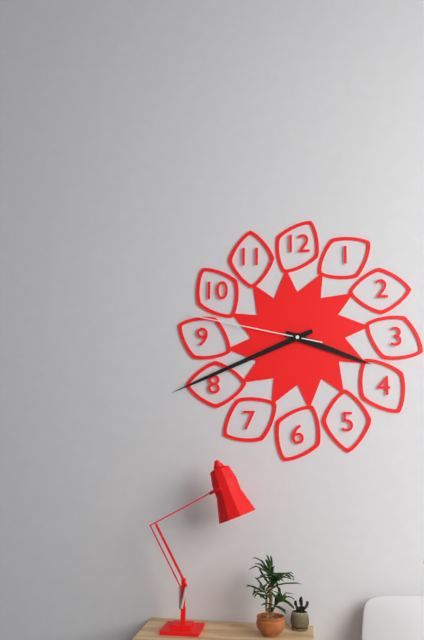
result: **3:41:47**
